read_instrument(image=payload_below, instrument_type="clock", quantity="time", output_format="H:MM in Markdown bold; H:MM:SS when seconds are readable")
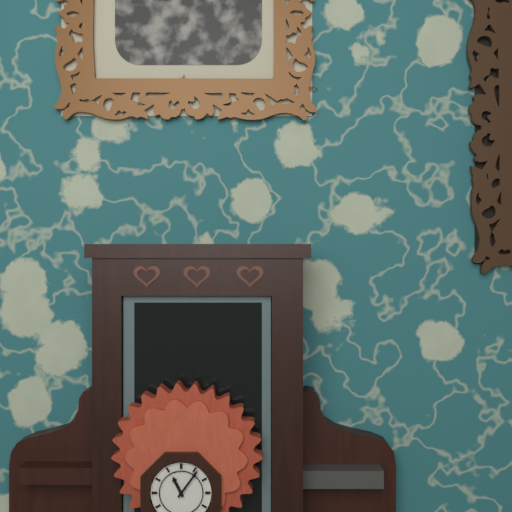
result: **11:06**
